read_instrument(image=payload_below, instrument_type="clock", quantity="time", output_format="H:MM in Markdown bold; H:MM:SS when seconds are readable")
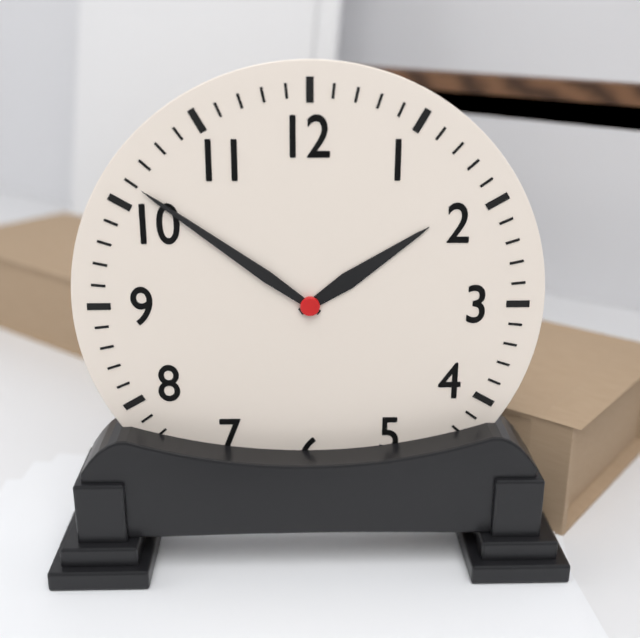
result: **1:51**
